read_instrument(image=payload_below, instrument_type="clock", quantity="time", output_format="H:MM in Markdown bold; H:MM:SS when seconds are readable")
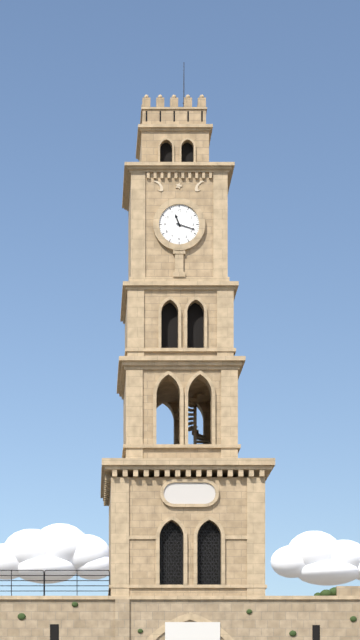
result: **11:18**
